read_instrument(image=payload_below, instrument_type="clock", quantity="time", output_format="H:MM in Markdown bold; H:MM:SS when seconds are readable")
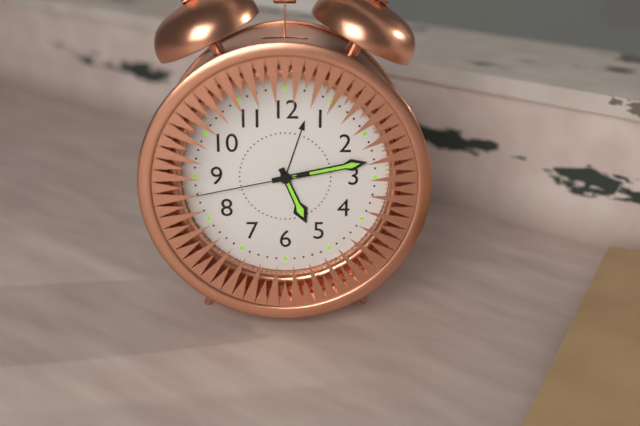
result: **5:13:43**
